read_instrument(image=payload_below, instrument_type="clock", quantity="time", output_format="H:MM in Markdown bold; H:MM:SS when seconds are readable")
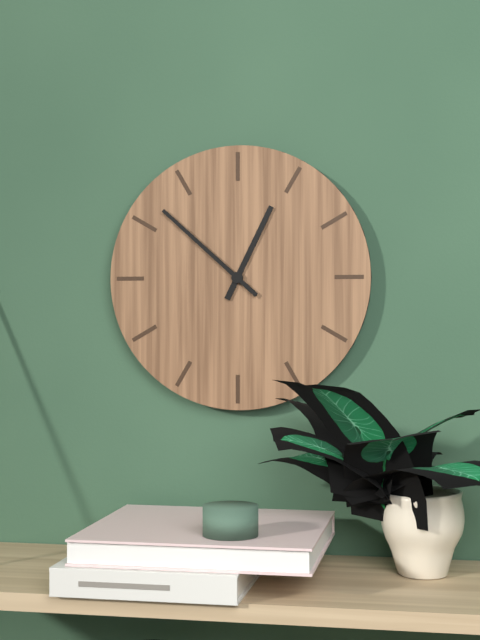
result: **12:52**
